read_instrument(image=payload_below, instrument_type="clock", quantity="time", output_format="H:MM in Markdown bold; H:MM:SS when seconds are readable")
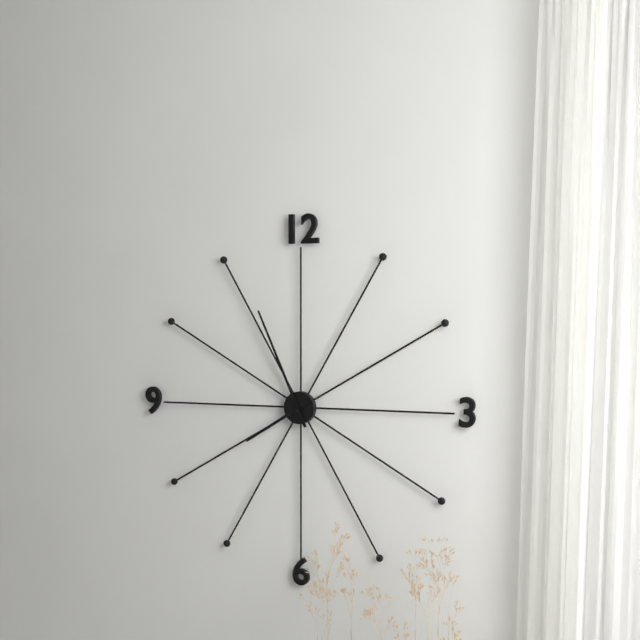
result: **7:56**
